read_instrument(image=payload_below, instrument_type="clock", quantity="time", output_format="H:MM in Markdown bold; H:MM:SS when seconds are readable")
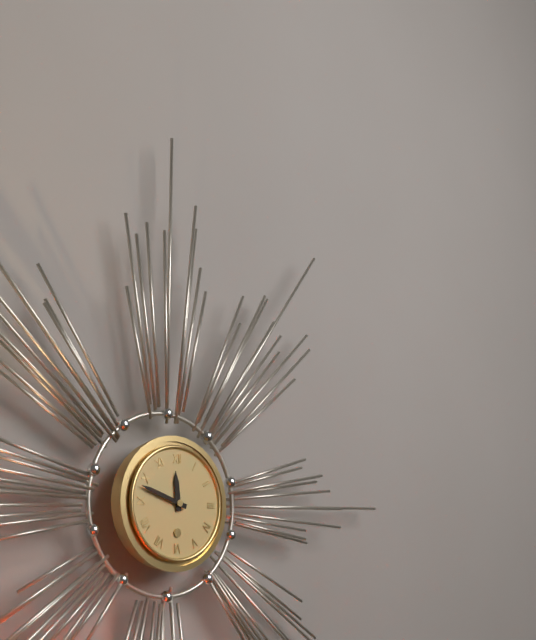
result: **11:48**
